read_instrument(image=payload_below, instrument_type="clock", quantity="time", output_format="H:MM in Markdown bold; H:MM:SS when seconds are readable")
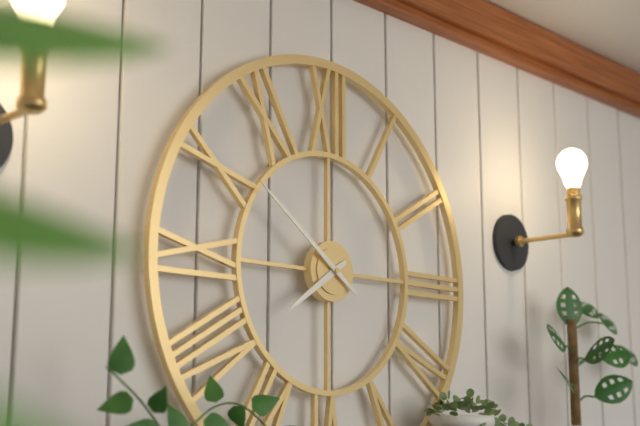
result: **7:51**
